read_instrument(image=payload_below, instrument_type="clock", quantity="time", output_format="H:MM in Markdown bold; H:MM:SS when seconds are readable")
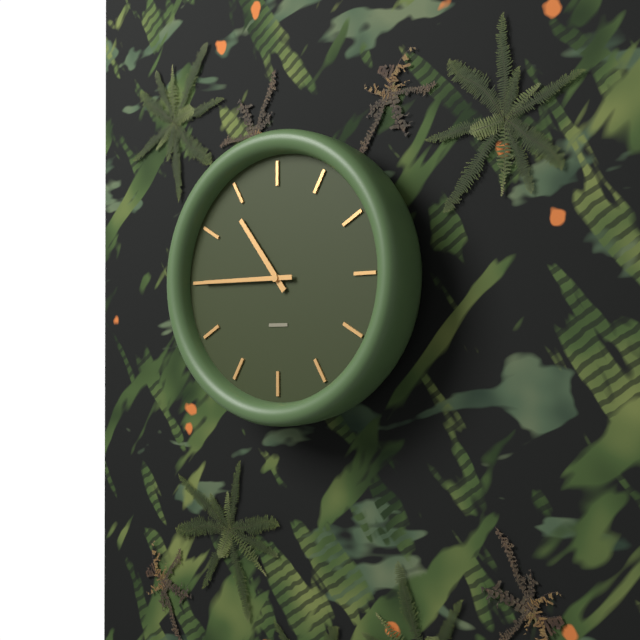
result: **10:45**
